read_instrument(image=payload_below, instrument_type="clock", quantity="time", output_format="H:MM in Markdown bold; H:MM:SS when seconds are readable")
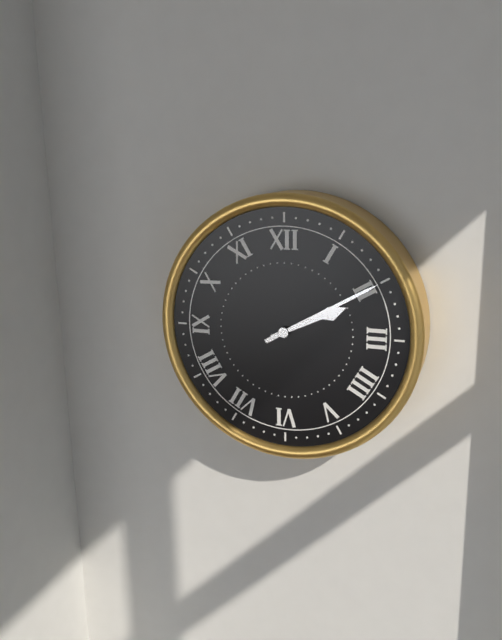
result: **2:10**
